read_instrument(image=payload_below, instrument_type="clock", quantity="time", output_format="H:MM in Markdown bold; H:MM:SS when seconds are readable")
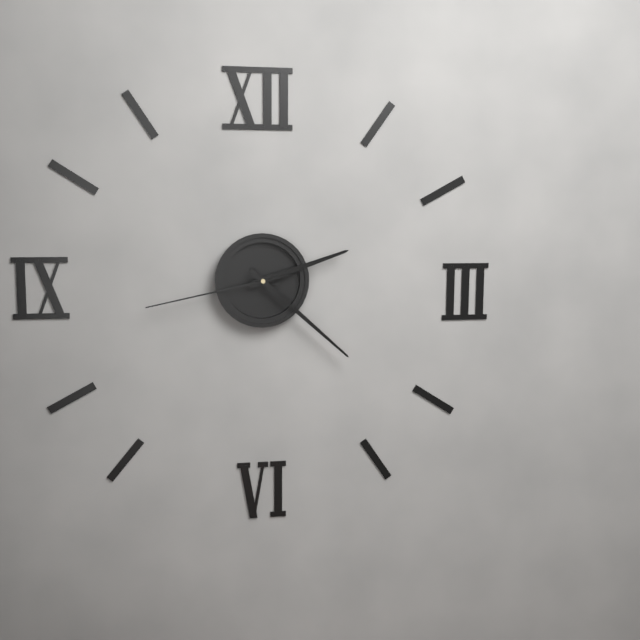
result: **2:22:43**
